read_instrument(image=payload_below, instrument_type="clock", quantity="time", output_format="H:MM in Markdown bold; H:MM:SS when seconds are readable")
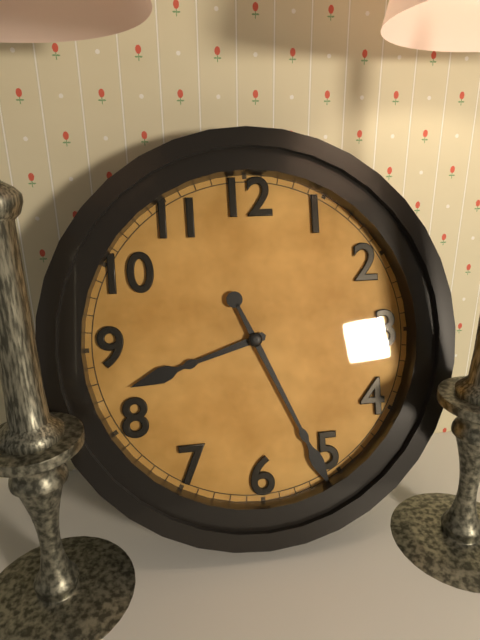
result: **8:26**
